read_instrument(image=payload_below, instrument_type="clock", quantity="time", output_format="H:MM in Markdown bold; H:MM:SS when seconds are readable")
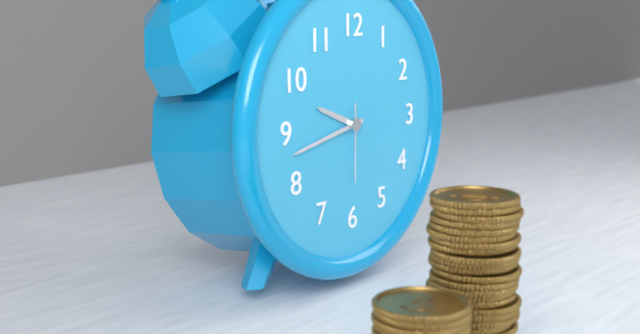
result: **9:43:30**
